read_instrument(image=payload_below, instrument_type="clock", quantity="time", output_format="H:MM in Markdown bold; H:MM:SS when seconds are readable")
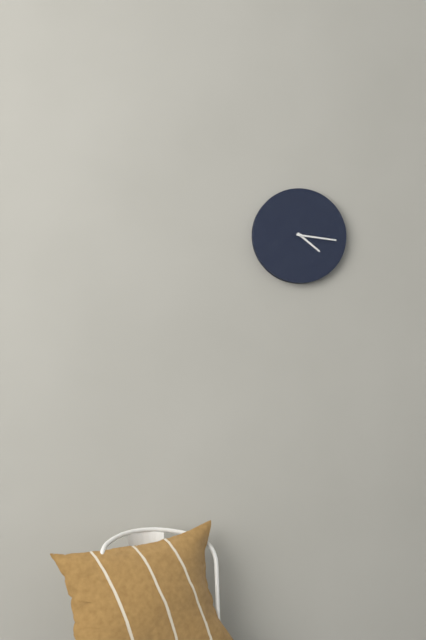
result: **4:16**
